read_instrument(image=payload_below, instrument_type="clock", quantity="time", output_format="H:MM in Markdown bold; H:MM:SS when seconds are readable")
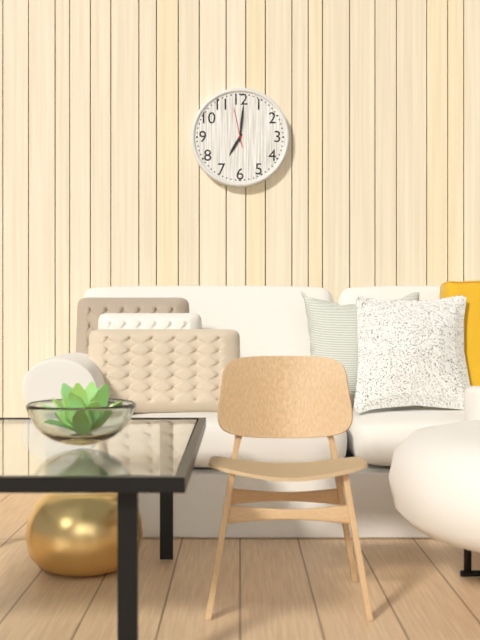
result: **7:01**
